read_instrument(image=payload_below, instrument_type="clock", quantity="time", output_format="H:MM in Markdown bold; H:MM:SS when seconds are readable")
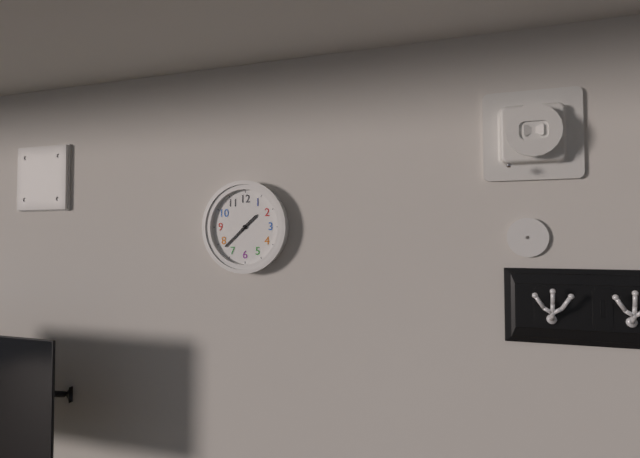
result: **1:38**
